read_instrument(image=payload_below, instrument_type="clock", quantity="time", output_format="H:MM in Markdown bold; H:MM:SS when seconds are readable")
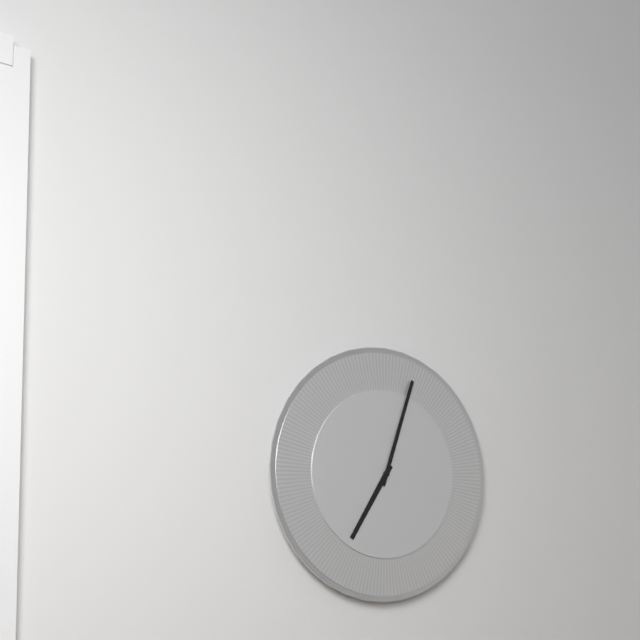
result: **7:03**
